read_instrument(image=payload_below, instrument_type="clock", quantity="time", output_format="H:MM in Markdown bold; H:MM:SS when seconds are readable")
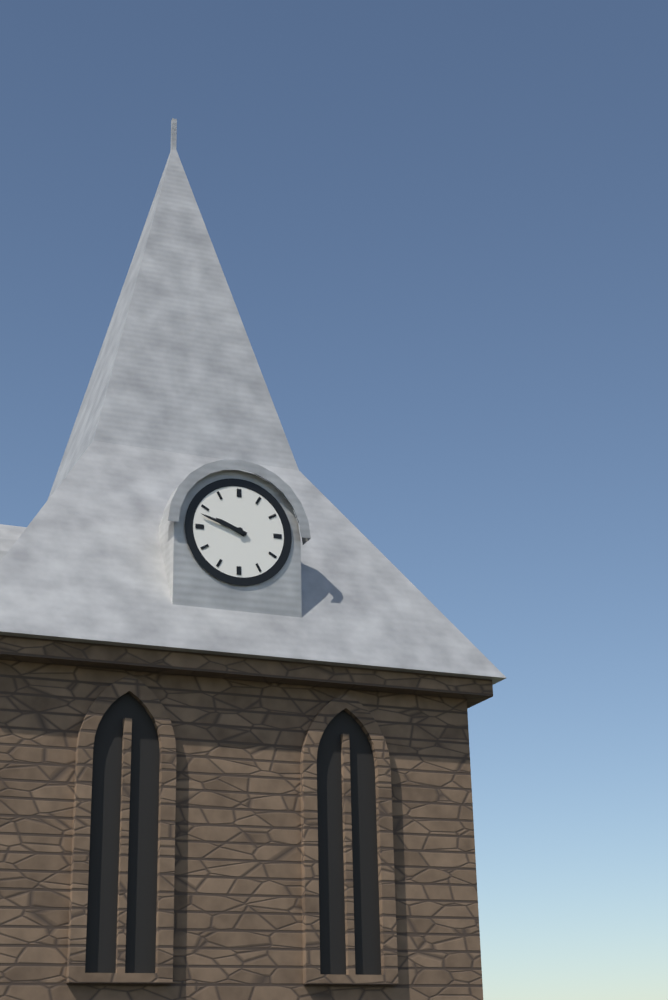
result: **9:48**
